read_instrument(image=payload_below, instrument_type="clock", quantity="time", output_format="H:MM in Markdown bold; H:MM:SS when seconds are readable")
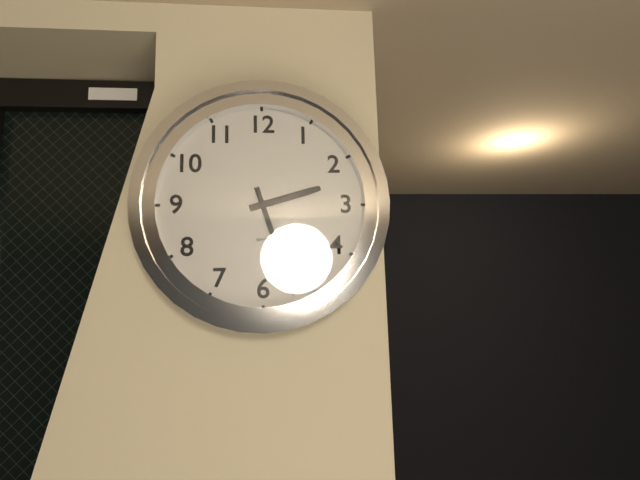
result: **2:27**
